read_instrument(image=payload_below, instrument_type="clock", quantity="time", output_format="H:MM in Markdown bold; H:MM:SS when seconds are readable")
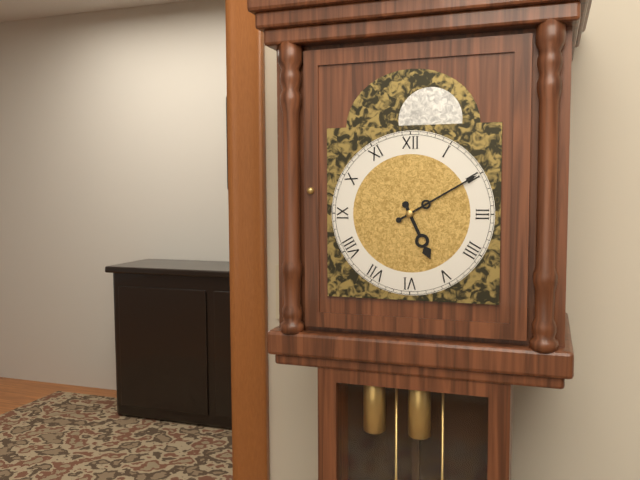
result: **5:10**
